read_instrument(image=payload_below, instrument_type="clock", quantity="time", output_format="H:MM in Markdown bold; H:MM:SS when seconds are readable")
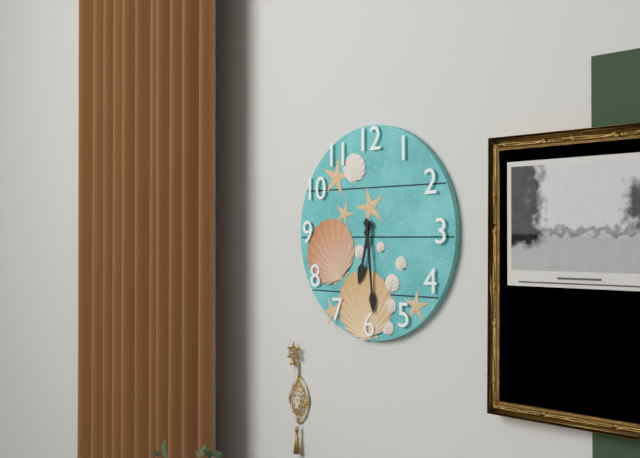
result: **6:29**
